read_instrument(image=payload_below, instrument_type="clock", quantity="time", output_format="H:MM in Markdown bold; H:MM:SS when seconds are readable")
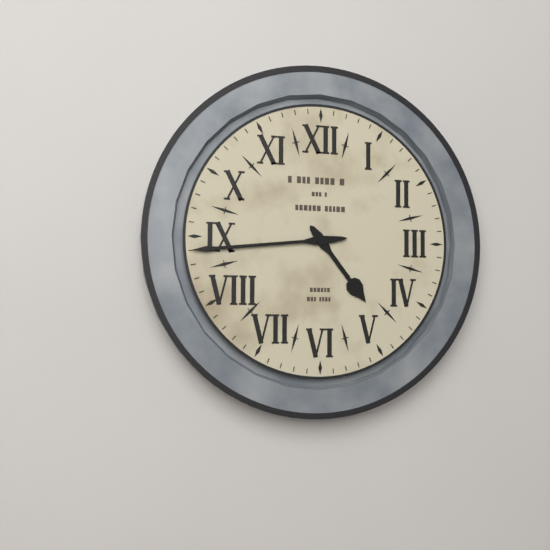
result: **4:44**
